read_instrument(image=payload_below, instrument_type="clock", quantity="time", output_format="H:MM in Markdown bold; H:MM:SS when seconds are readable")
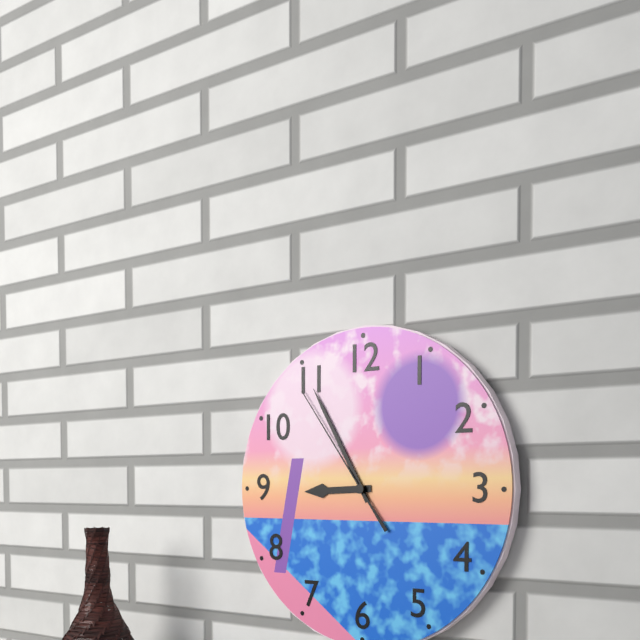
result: **8:55:54**
